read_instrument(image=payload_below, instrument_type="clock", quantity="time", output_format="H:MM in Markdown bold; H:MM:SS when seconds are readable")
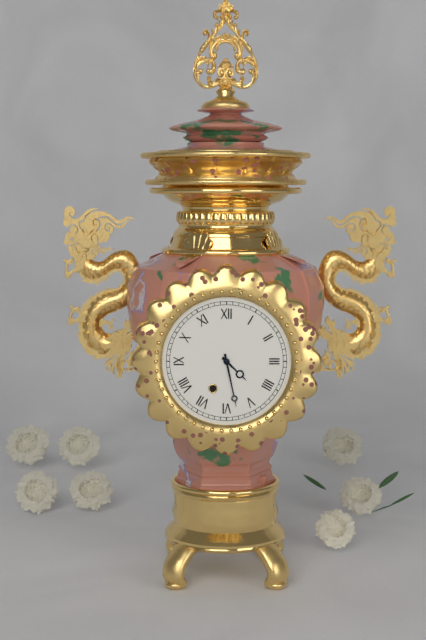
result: **4:28**
